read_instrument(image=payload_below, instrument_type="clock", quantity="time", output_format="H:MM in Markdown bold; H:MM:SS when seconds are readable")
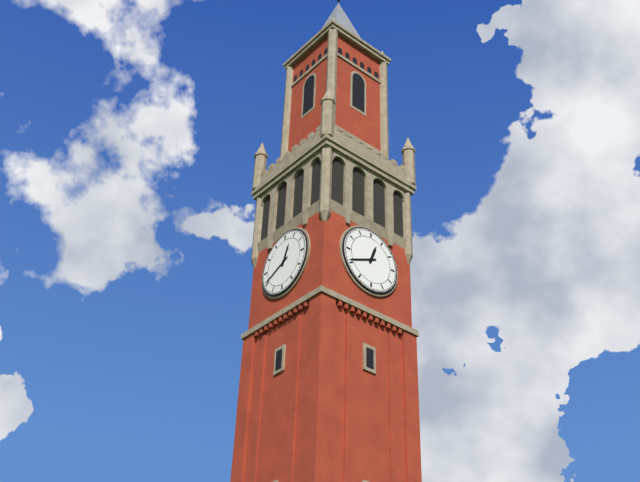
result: **12:41**
